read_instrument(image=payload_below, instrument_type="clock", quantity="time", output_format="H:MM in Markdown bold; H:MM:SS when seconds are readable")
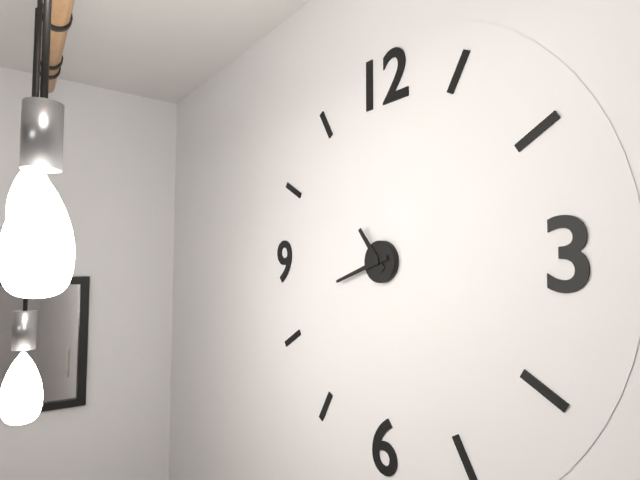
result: **10:42**
